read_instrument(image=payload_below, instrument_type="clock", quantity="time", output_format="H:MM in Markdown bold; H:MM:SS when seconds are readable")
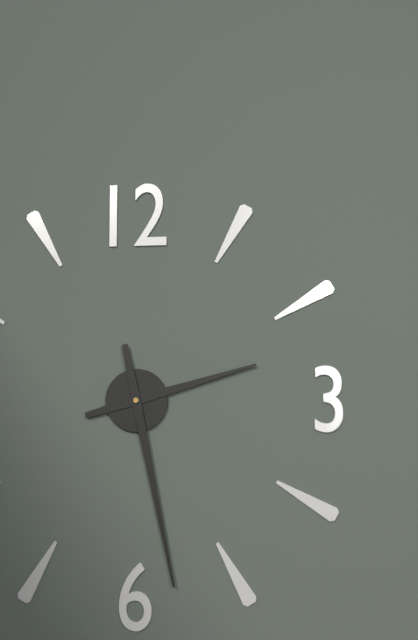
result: **2:28**
